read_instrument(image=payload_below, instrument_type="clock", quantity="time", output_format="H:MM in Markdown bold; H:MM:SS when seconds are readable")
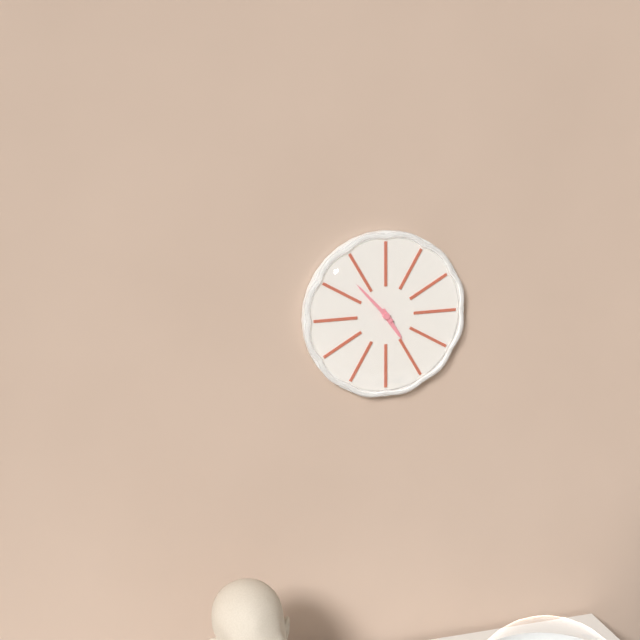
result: **4:53**
